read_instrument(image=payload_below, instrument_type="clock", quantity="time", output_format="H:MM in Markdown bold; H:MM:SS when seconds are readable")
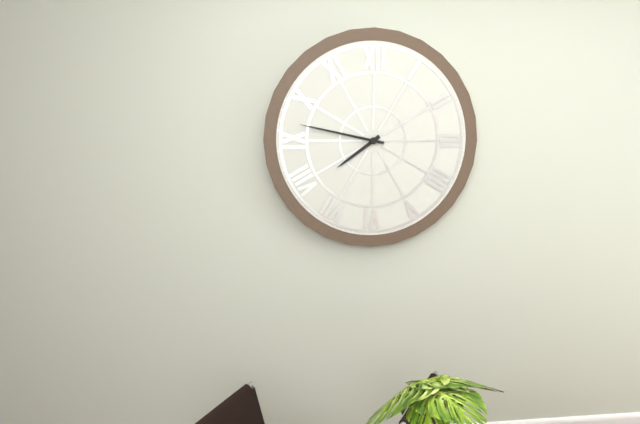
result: **7:47**
